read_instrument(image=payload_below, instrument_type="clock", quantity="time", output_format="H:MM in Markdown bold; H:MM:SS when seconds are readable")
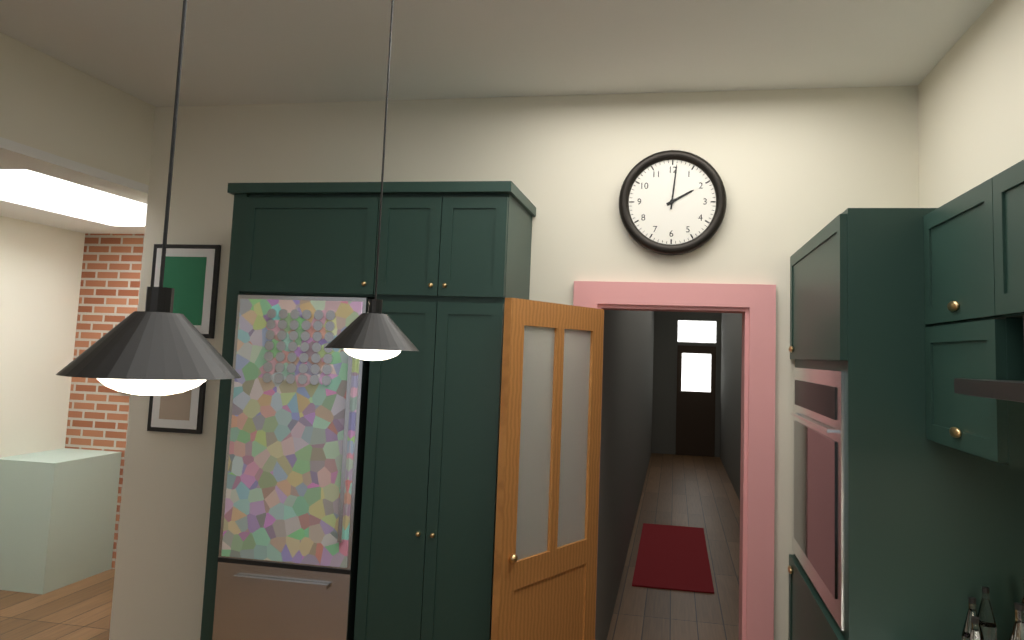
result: **2:01**
